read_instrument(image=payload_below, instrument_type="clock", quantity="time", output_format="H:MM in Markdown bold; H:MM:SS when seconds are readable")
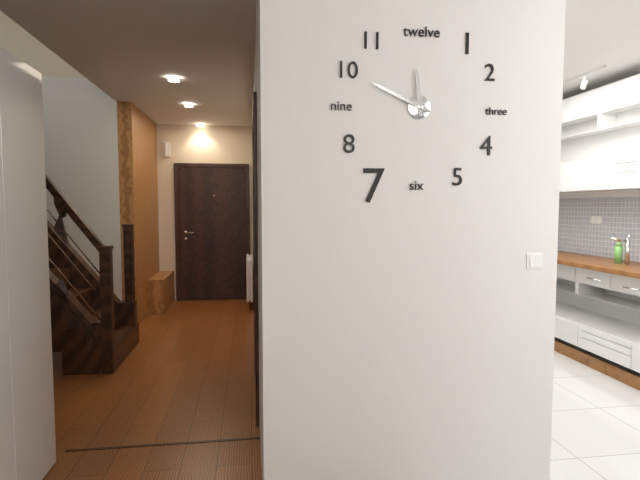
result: **11:49**
